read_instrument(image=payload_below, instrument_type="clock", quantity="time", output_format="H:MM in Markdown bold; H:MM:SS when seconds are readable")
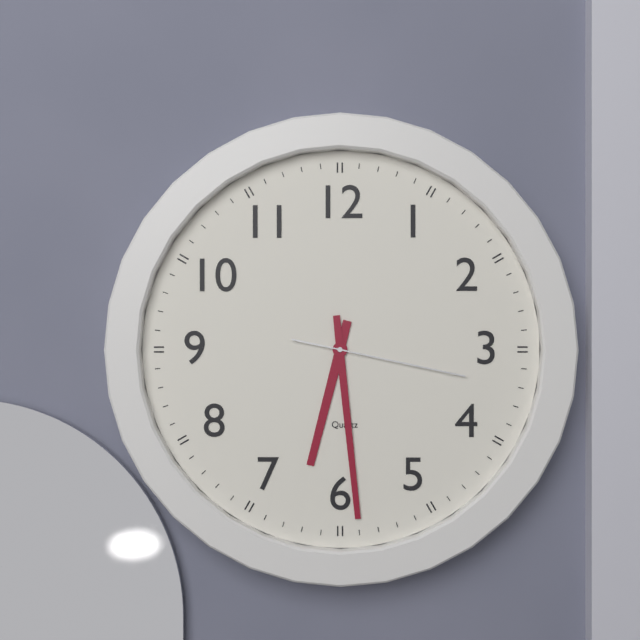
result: **6:29:17**
